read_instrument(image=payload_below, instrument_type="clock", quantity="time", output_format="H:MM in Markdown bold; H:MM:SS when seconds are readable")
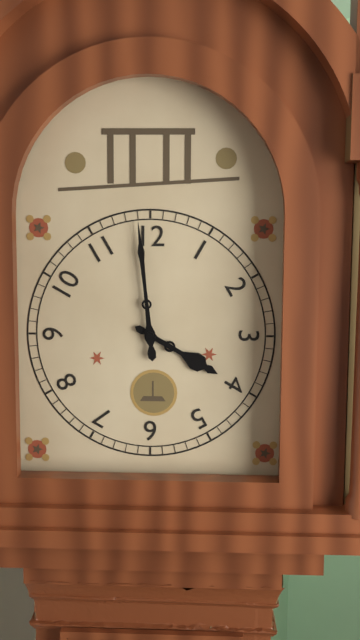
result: **3:59**
